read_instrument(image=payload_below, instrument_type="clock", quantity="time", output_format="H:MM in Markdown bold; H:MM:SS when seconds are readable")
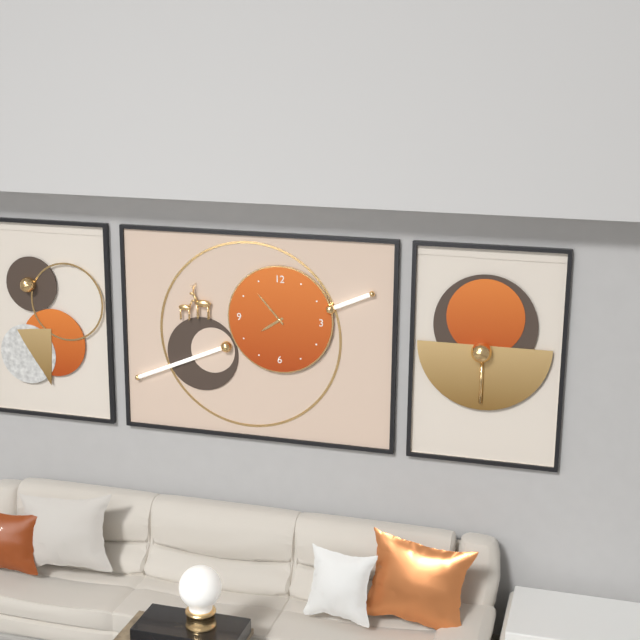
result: **7:53**
